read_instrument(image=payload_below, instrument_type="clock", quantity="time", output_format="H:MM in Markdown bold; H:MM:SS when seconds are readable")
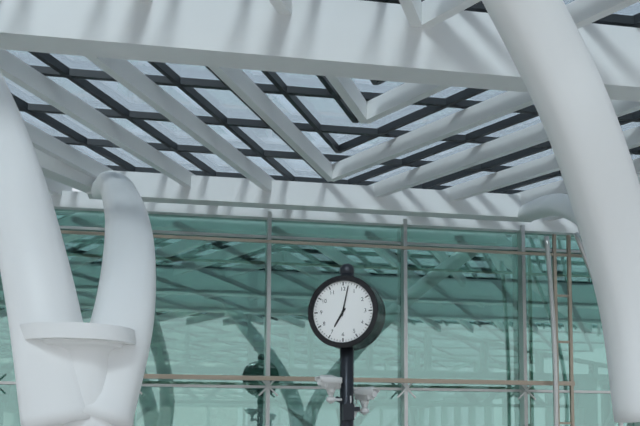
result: **7:02**
